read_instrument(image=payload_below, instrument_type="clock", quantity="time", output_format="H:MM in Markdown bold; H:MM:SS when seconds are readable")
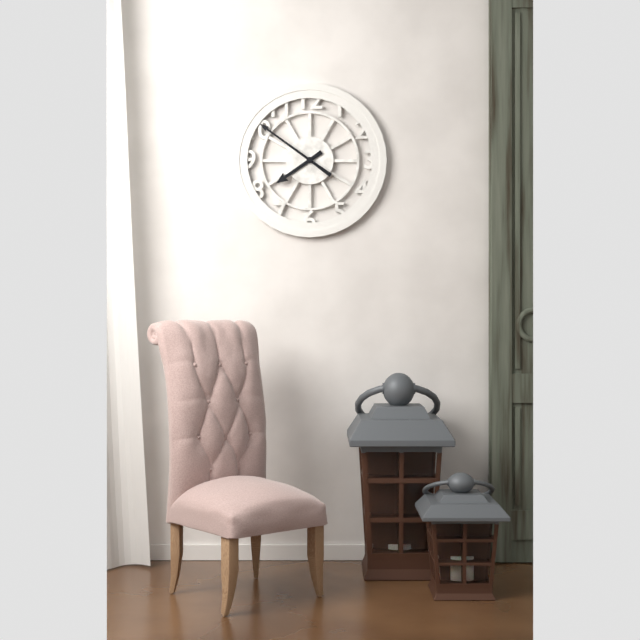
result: **7:51**
